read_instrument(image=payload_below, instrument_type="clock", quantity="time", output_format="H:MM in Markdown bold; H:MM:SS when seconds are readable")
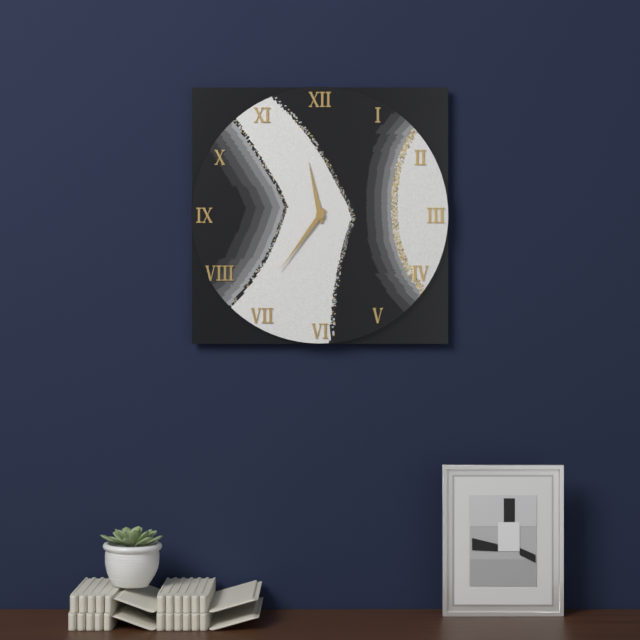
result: **11:36**
